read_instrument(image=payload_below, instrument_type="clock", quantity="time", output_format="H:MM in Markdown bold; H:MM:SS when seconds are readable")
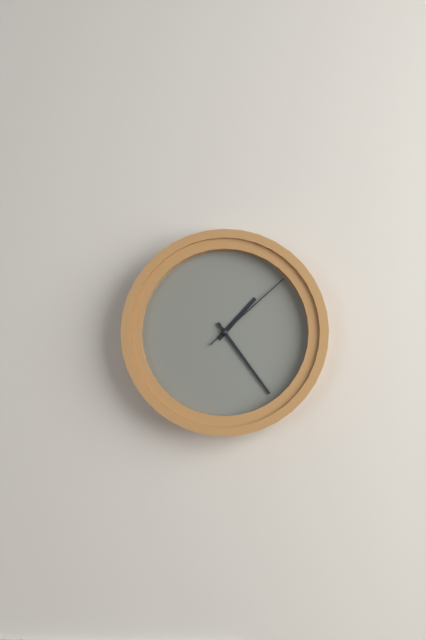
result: **1:24:08**
